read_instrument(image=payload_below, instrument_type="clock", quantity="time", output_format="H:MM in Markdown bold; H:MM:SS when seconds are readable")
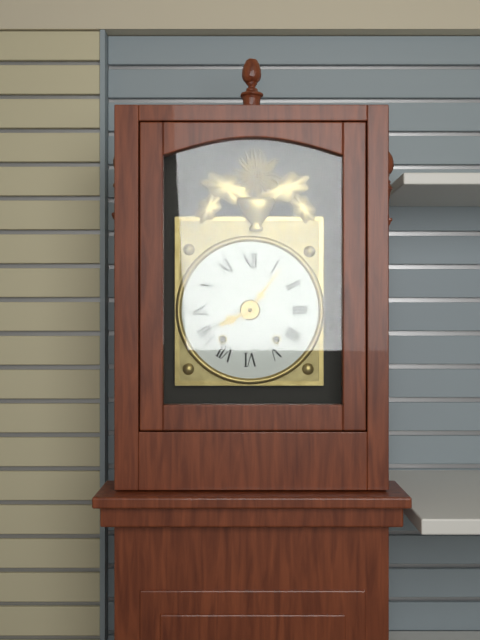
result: **8:06**
